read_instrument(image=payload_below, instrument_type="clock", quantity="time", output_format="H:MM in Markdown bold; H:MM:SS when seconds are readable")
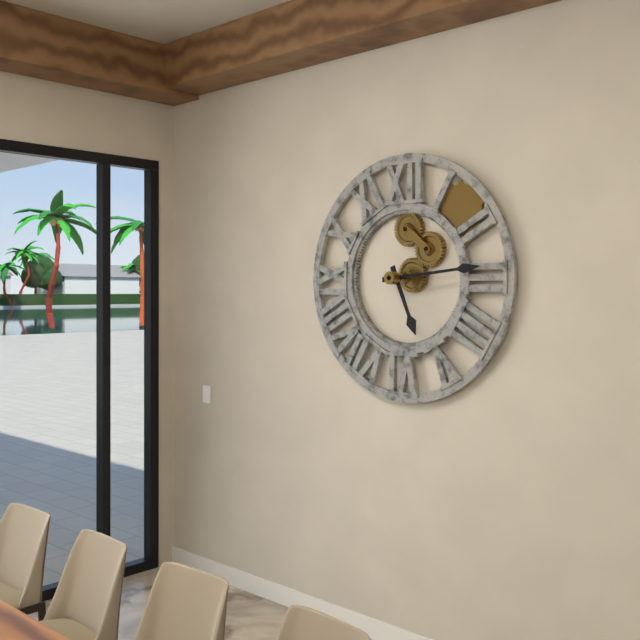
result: **5:14**
